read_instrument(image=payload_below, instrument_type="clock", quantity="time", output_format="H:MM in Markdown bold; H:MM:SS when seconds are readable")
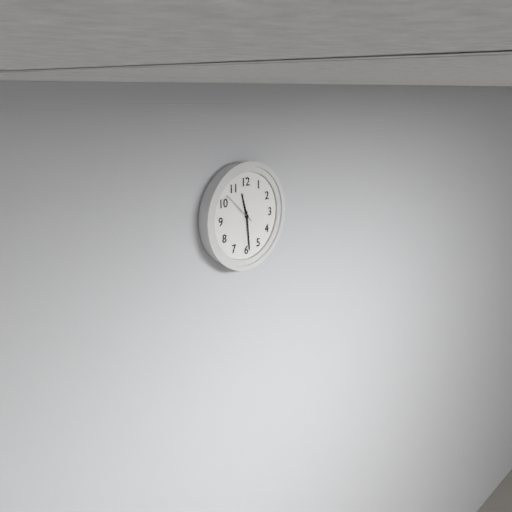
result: **11:29**
